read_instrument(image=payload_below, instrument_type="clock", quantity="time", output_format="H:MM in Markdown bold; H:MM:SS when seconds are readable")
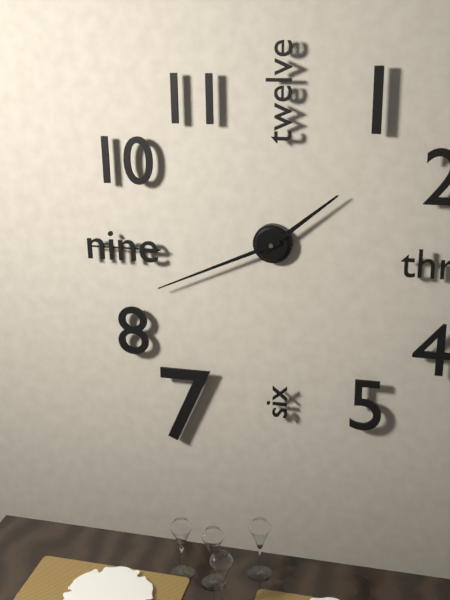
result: **1:41**
